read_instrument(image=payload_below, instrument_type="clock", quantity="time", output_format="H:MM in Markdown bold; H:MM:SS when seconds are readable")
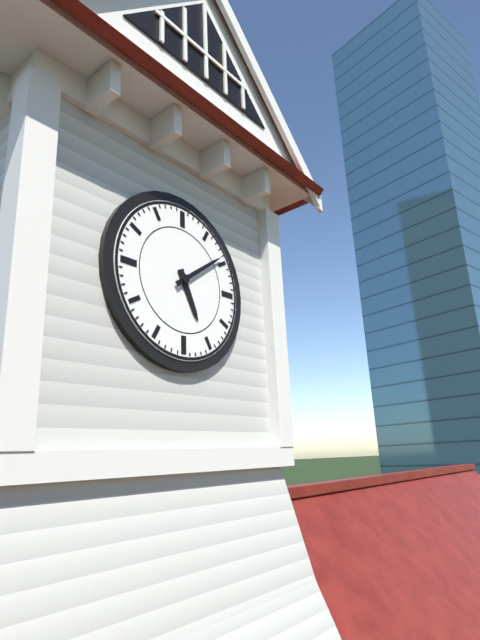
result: **5:09**
